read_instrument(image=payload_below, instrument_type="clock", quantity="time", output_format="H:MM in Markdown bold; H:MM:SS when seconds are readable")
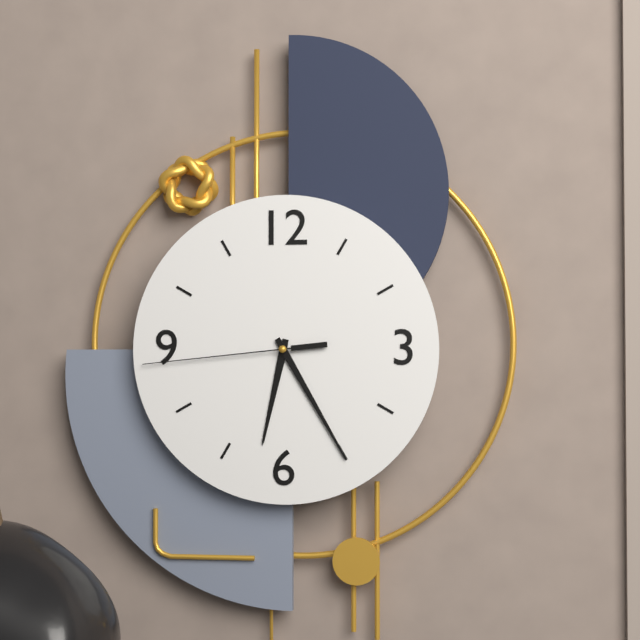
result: **6:25:44**
